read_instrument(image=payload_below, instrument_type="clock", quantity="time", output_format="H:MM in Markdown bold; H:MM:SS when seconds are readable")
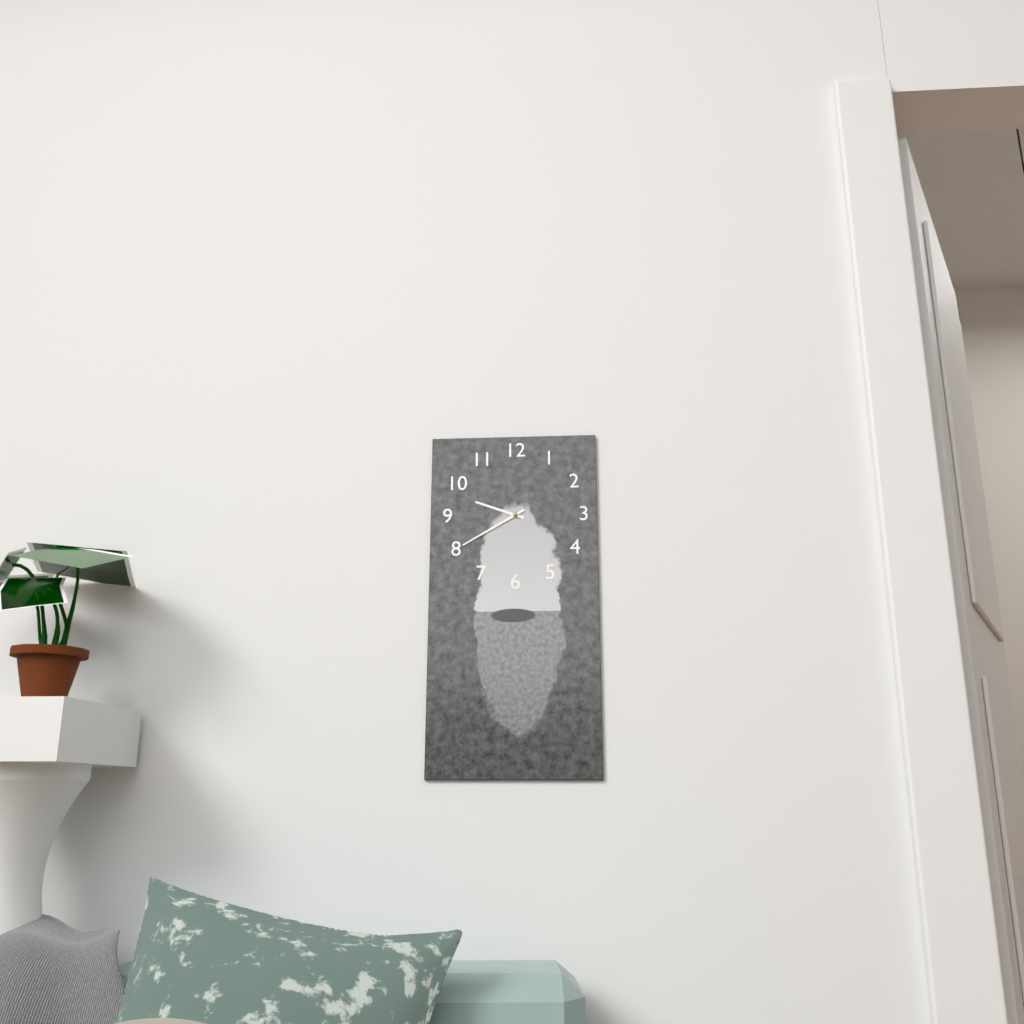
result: **9:40**
